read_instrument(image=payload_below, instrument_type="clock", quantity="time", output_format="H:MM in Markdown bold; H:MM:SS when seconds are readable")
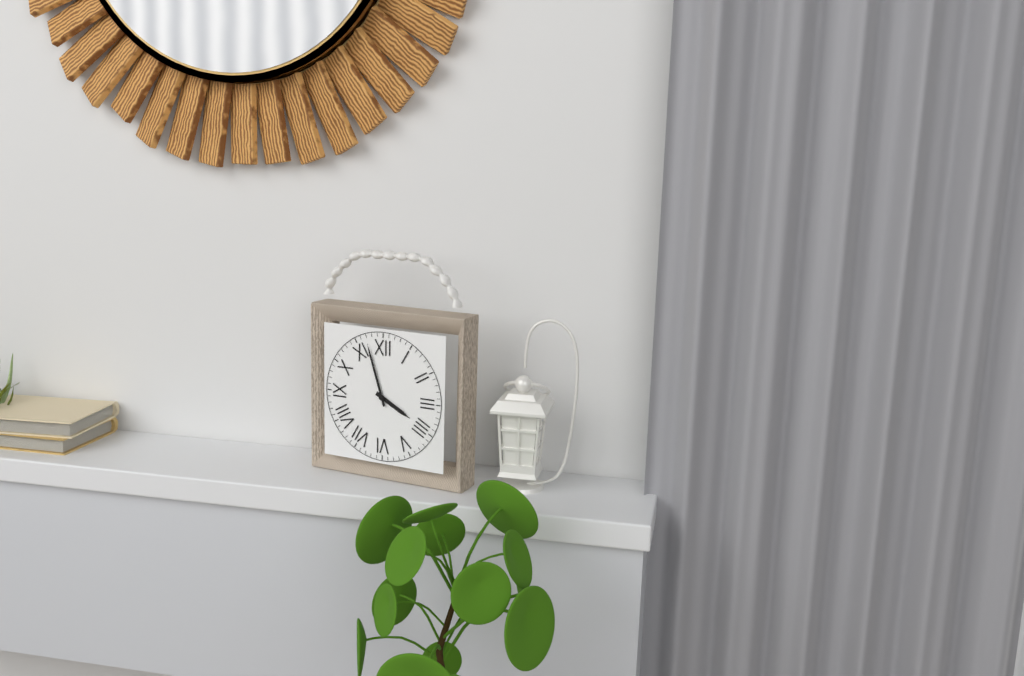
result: **3:57**
